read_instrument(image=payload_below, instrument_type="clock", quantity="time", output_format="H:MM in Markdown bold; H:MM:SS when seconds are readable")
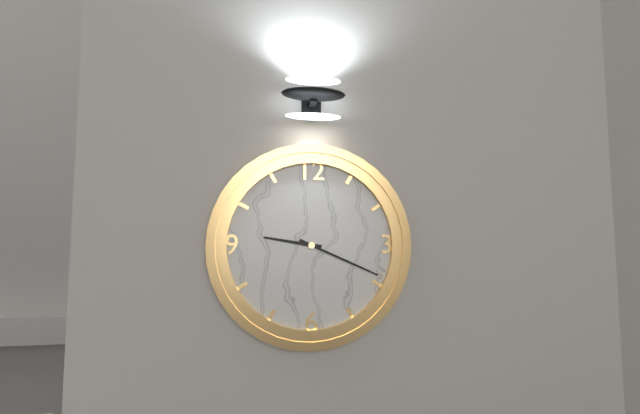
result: **9:19**
